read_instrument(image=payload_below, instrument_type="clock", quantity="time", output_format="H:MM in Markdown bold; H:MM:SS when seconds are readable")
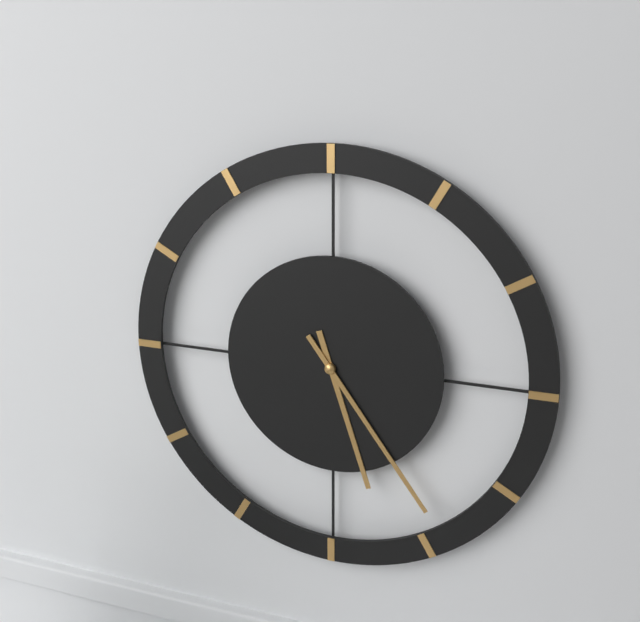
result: **5:24**
